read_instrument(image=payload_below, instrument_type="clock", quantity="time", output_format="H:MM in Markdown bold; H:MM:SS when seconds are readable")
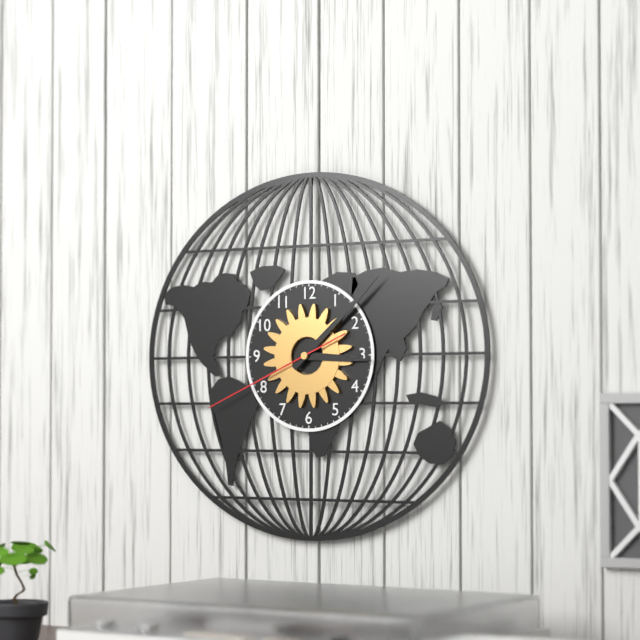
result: **3:08:41**
